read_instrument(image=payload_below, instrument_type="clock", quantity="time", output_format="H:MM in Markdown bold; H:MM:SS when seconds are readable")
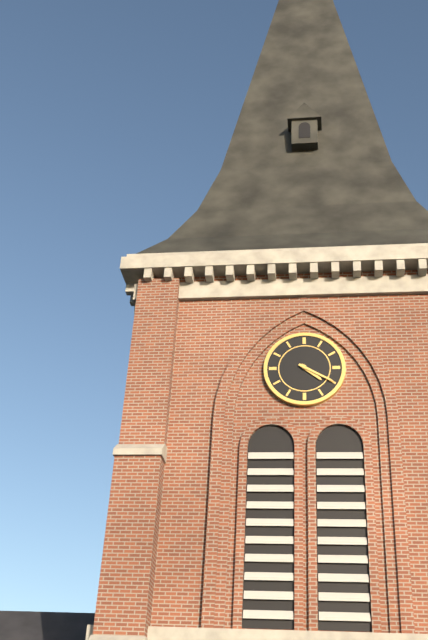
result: **4:20**
